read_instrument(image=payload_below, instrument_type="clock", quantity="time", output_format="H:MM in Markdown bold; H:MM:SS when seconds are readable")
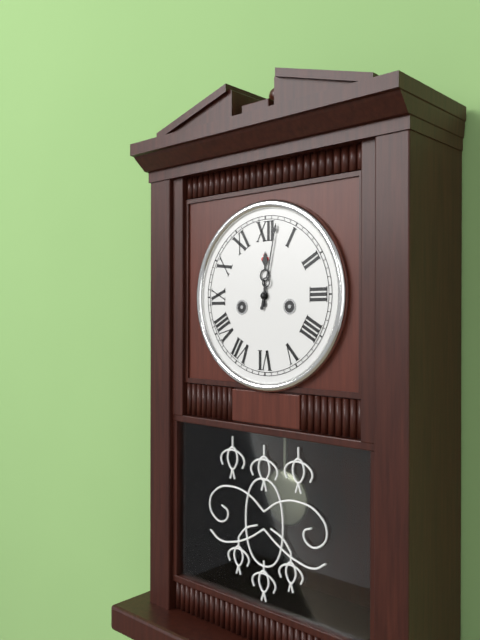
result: **12:02**
